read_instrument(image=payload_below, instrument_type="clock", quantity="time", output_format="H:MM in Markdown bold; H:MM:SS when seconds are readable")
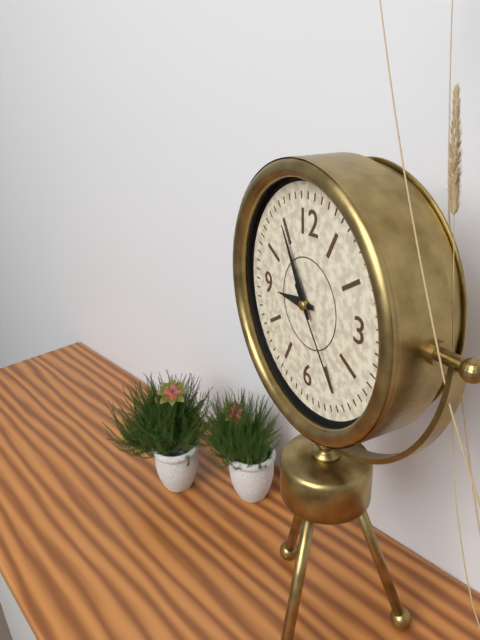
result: **8:55:24**
